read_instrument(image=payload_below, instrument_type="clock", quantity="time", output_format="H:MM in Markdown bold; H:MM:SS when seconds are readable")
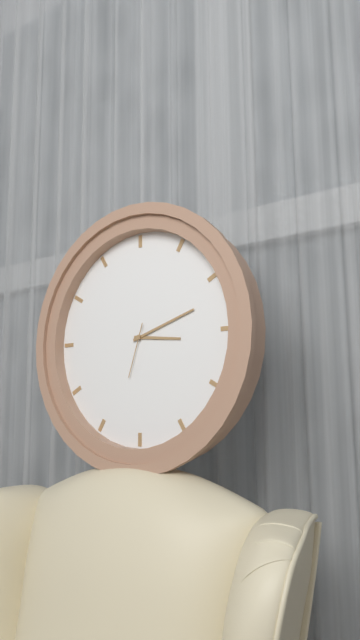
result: **3:12:33**
